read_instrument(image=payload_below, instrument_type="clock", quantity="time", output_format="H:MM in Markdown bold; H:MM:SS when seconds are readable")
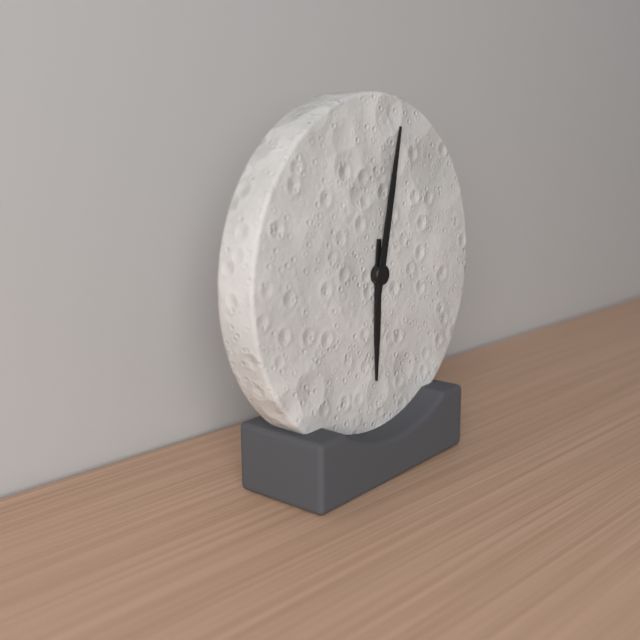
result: **6:02**
